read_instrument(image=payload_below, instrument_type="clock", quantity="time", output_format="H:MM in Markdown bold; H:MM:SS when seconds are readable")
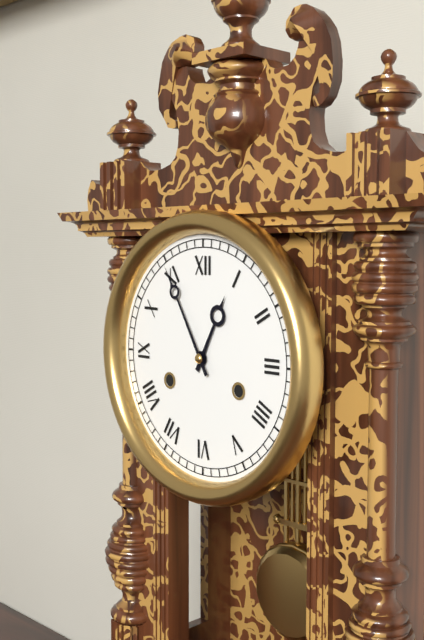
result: **12:55**
